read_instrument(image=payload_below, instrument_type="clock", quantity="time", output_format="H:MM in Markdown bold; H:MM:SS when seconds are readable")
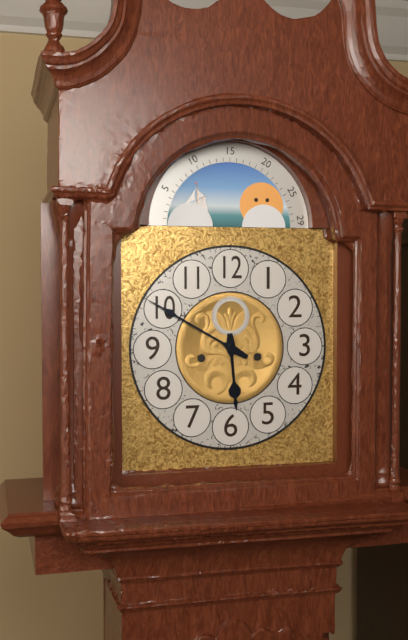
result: **5:50**
